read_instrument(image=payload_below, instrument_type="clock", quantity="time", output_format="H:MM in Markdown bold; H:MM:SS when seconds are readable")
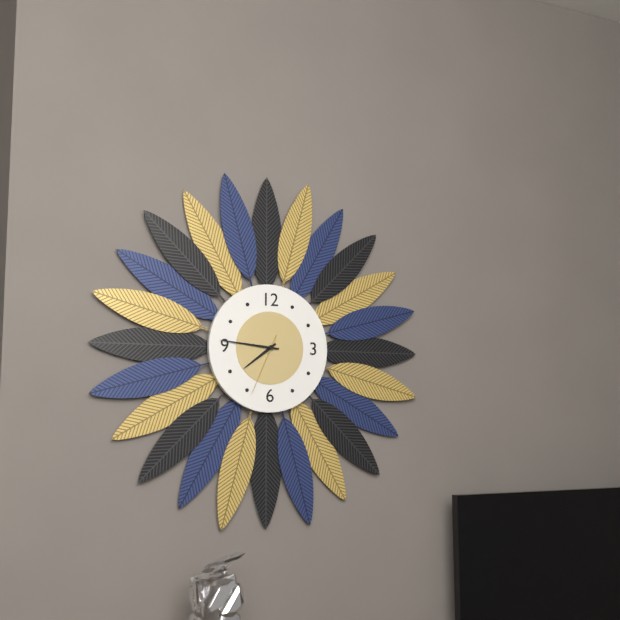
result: **7:46:34**
